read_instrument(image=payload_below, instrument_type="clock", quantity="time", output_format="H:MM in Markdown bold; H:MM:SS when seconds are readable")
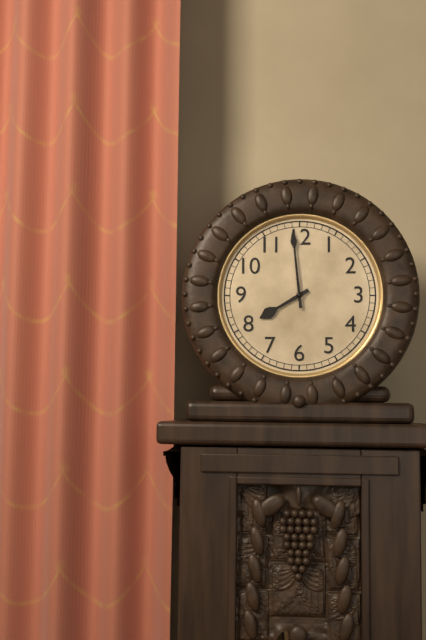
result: **7:59**
